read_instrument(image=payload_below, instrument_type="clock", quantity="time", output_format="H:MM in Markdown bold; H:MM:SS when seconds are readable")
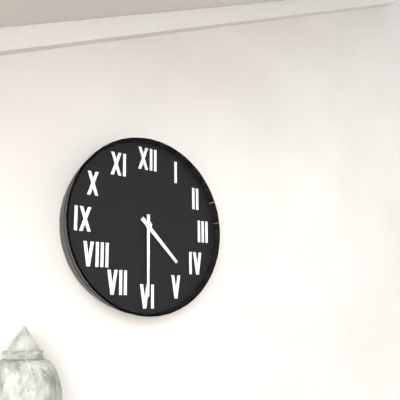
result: **4:30**
